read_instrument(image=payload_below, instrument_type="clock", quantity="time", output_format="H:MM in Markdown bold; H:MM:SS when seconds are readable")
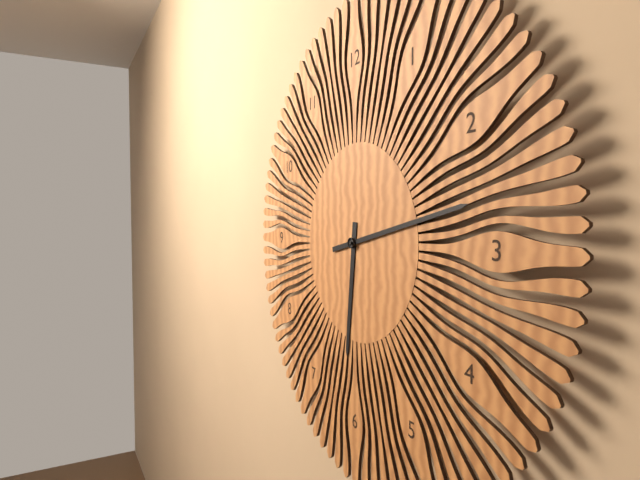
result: **6:13**
